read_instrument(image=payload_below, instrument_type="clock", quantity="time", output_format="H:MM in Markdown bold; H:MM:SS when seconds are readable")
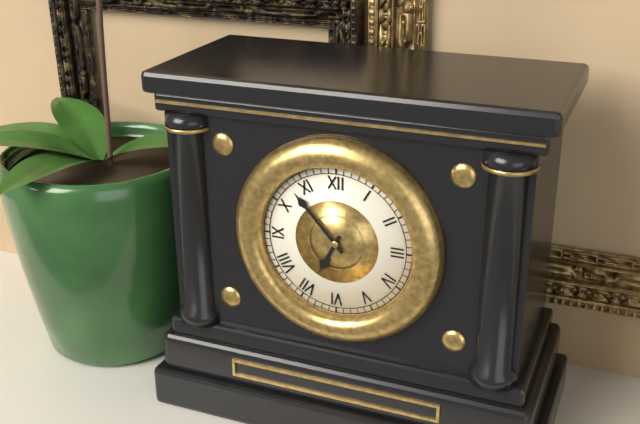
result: **6:53**
